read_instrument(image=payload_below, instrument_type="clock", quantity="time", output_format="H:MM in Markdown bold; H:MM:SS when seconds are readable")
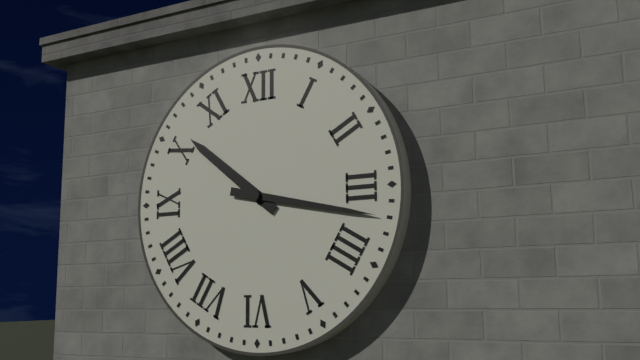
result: **10:17**
